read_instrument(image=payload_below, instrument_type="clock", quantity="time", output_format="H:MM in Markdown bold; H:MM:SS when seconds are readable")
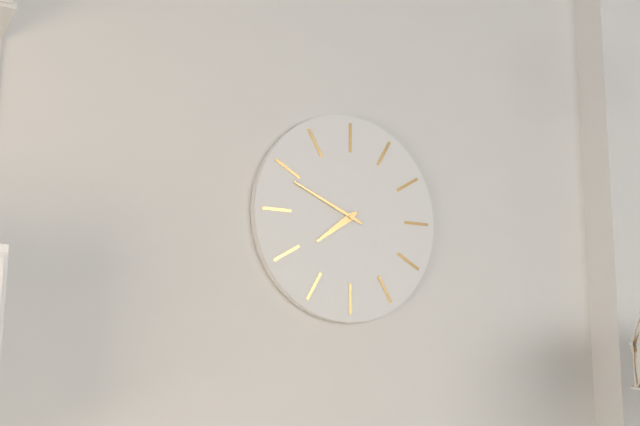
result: **7:49**
